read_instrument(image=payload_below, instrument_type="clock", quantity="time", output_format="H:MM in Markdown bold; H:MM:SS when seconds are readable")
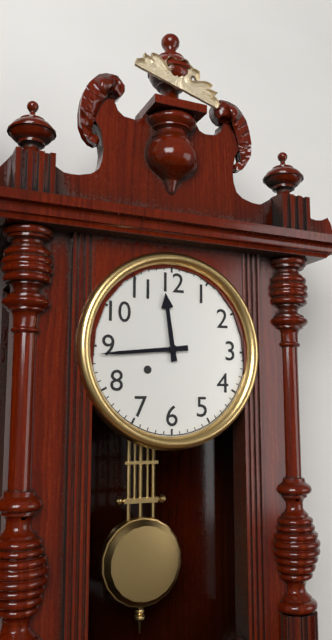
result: **11:44**
